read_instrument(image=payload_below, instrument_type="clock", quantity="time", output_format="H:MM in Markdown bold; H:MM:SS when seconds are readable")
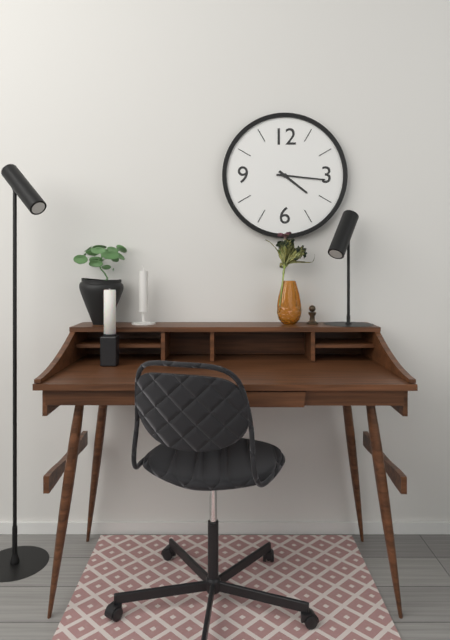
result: **4:16**
